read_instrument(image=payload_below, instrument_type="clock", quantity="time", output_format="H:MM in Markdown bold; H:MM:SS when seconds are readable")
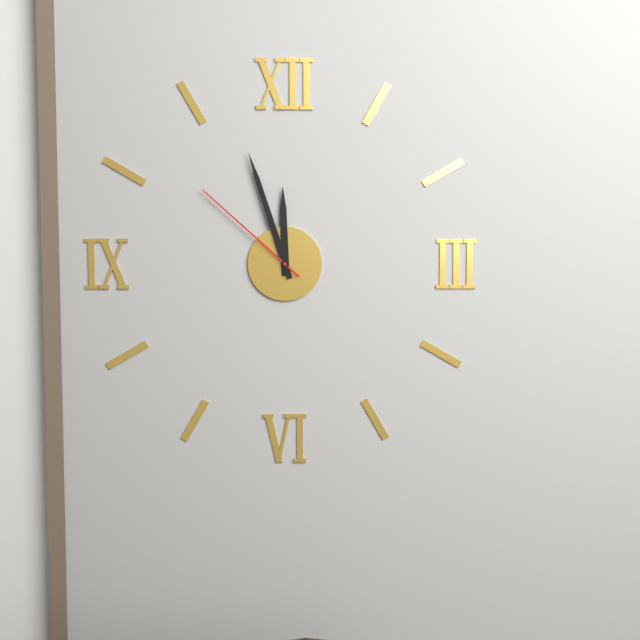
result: **11:57:52**
